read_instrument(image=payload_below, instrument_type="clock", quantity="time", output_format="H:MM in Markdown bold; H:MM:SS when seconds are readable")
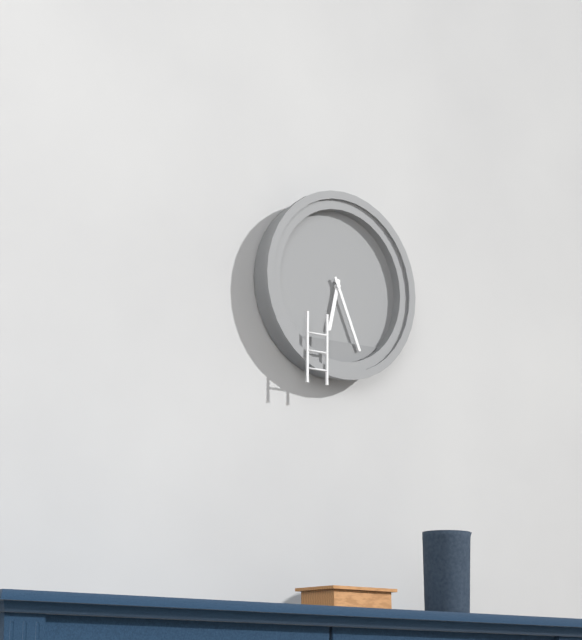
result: **6:26**
